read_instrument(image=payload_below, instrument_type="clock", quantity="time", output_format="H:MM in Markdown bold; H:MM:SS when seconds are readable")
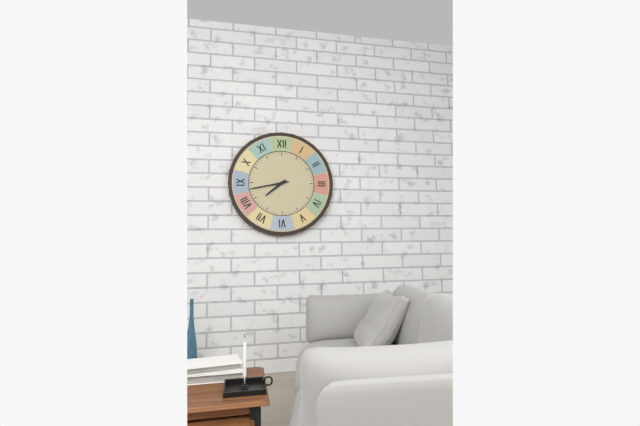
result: **7:43**
